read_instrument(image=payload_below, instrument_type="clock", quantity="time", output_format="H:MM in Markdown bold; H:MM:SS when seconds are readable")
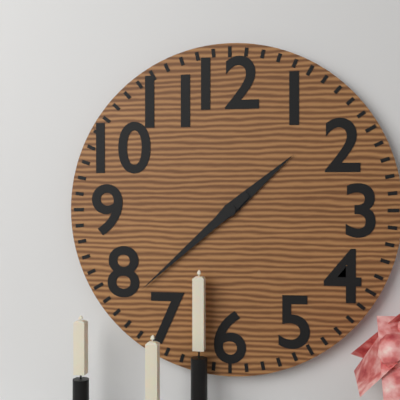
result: **1:38**
